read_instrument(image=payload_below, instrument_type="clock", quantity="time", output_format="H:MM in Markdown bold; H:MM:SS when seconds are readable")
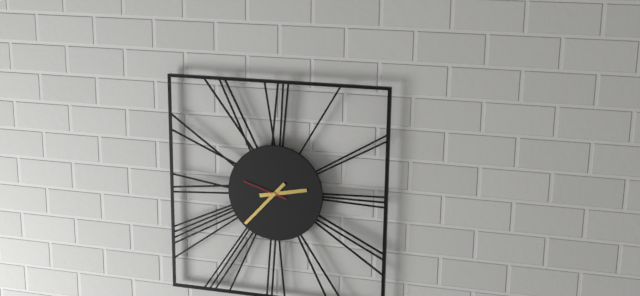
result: **2:37**
